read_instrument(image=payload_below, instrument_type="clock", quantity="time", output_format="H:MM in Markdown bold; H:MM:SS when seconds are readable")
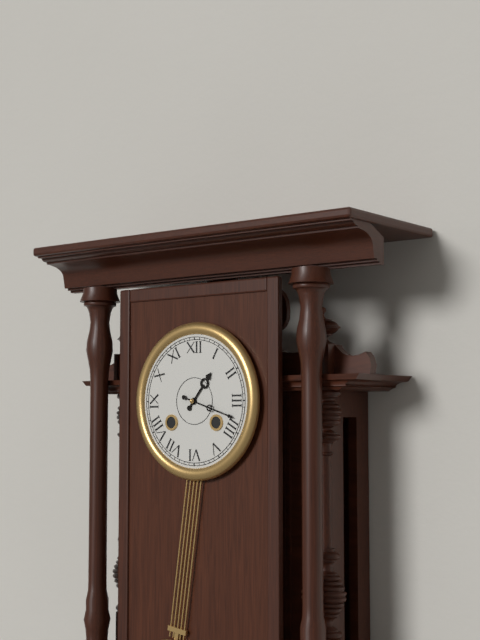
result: **1:18**
